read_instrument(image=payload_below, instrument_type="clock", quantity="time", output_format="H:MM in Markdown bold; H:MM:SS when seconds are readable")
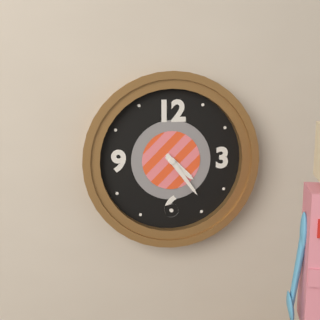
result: **4:24**
